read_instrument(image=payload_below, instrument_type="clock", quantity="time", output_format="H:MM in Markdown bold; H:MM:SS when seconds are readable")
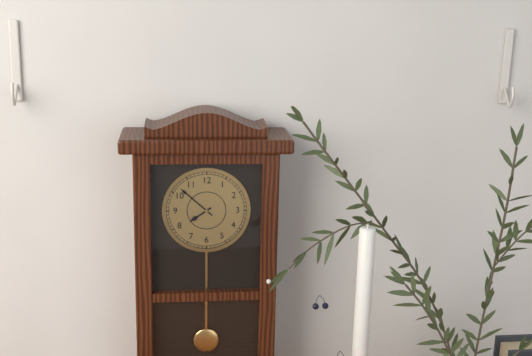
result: **7:52**
